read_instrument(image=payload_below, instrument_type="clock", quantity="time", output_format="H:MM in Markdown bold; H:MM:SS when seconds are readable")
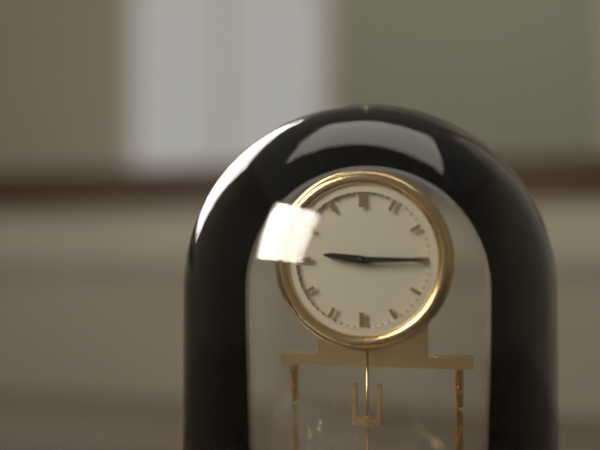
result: **9:15**
